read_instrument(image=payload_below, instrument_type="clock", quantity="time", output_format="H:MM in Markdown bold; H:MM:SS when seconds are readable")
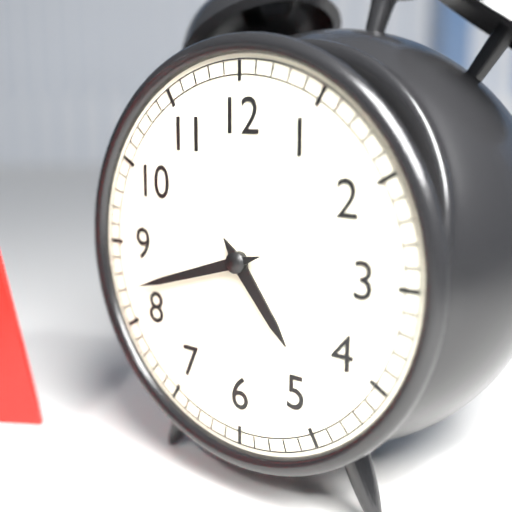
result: **4:42**
